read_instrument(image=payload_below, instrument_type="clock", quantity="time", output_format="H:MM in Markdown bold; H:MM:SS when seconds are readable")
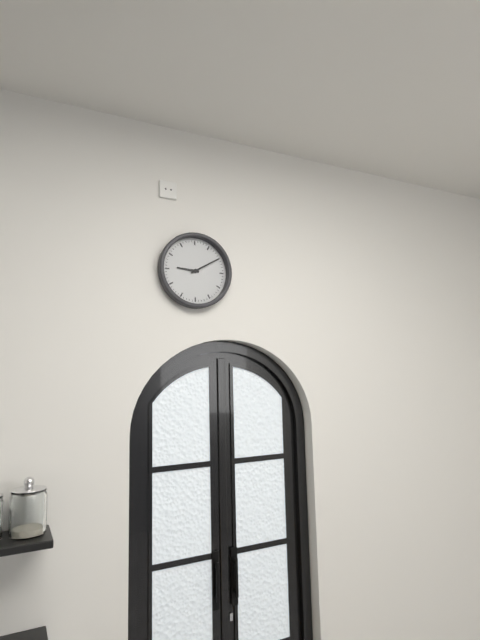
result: **9:10**
